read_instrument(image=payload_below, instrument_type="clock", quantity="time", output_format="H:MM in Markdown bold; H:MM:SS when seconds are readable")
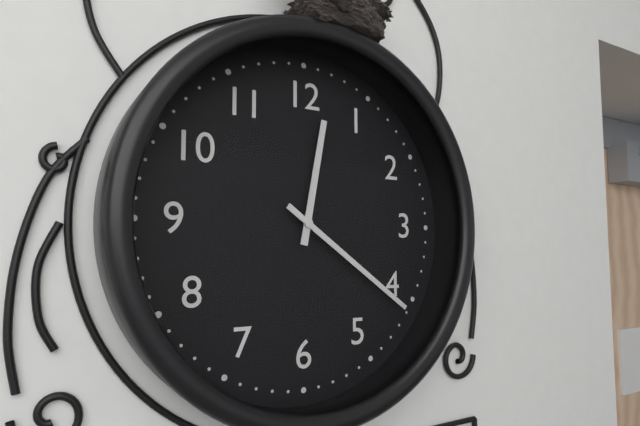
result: **12:21**
